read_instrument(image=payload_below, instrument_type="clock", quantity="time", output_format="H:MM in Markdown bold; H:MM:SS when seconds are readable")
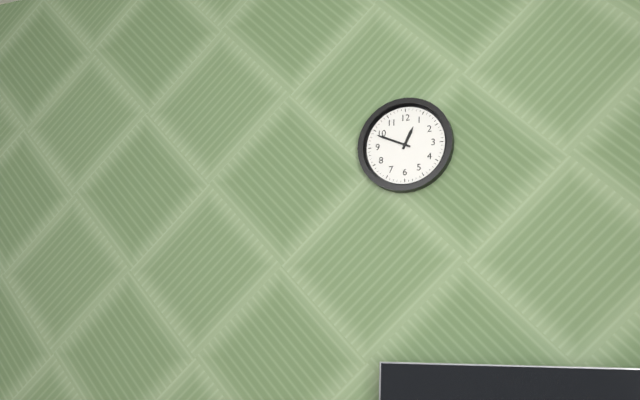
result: **12:49**
